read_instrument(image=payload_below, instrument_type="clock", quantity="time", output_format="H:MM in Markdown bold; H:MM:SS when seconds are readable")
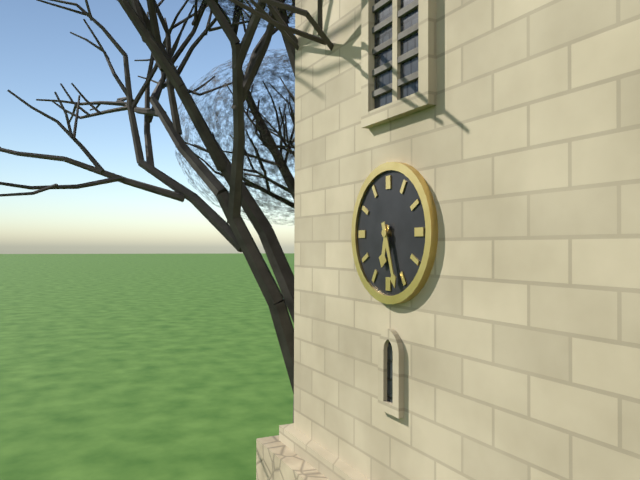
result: **6:27**
